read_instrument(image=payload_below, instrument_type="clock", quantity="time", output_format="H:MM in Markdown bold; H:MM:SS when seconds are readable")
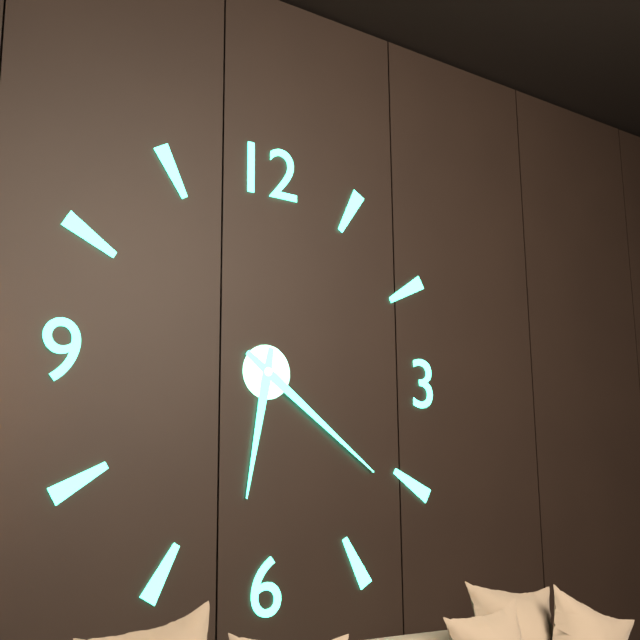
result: **6:21**
